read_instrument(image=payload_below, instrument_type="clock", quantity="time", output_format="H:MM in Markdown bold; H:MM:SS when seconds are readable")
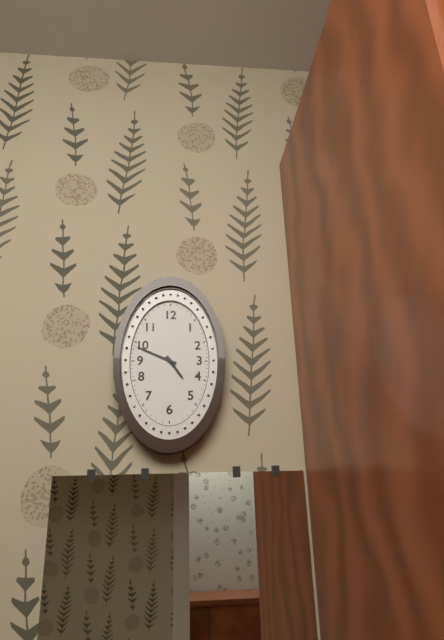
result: **4:49**
